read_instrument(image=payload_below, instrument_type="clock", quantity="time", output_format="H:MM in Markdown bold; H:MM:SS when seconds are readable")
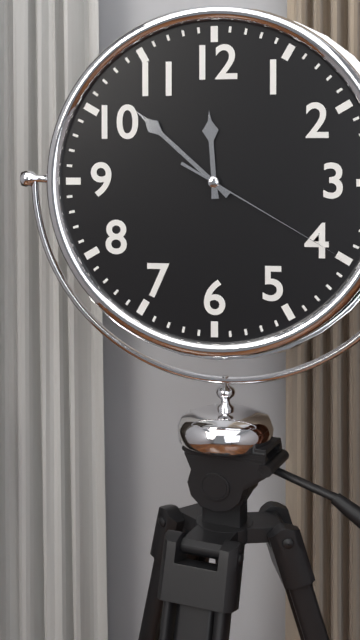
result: **11:52:20**
